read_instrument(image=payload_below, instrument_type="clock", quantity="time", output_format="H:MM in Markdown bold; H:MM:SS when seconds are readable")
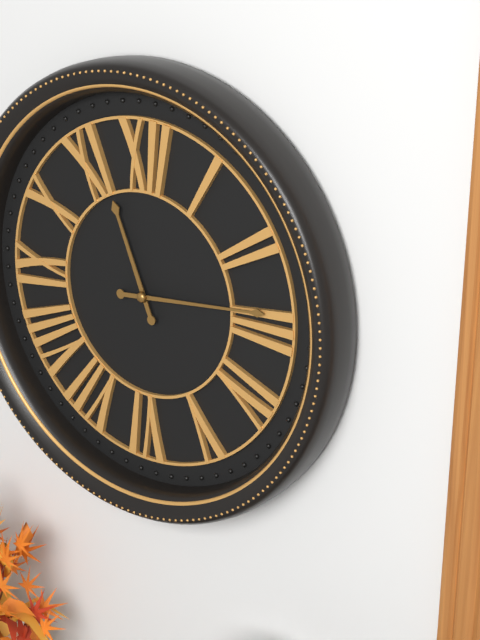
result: **11:14**
